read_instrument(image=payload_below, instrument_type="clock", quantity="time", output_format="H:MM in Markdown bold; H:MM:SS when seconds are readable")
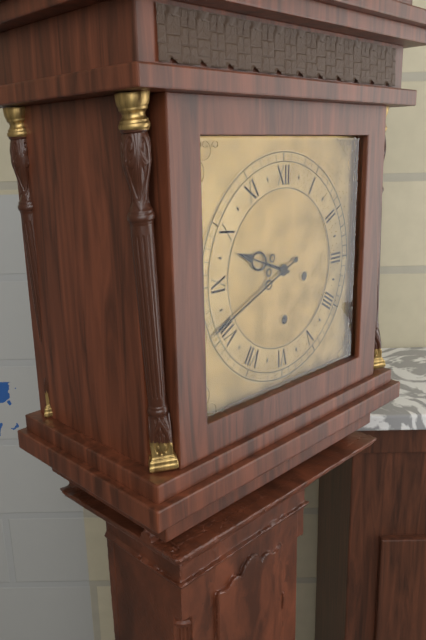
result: **9:41**
